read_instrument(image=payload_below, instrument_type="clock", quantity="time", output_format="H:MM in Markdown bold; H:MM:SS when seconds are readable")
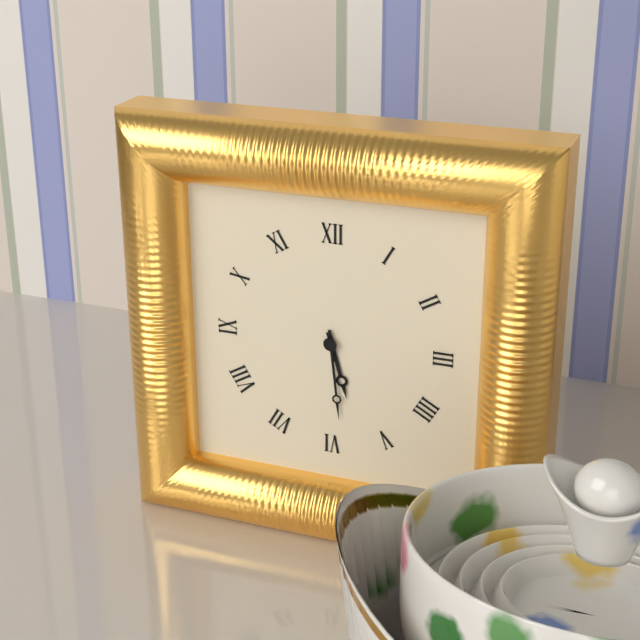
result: **5:29**
